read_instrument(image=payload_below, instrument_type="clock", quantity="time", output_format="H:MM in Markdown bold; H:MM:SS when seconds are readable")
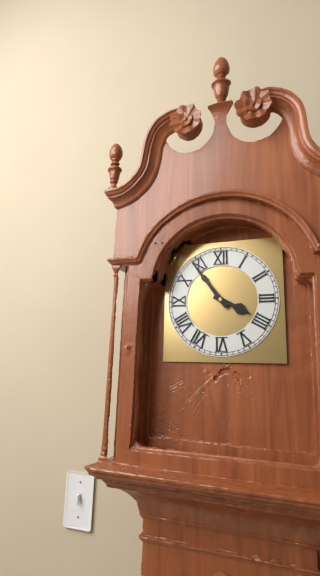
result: **3:54**
